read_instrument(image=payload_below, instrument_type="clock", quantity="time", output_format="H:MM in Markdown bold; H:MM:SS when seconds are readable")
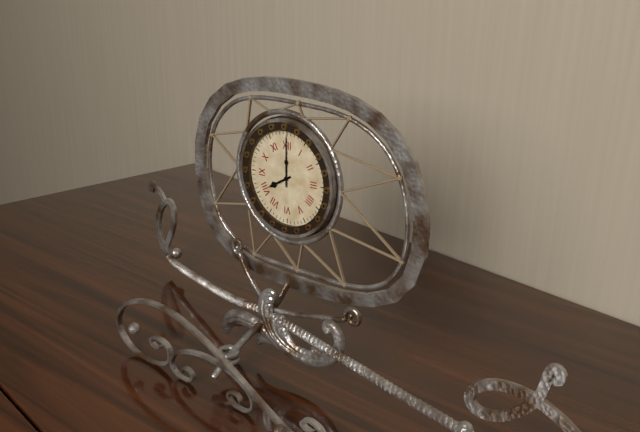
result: **8:00**
